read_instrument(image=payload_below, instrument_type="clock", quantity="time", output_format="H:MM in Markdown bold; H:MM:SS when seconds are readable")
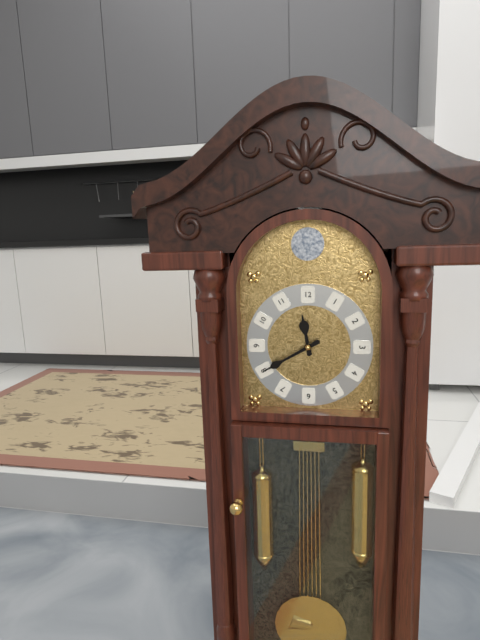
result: **11:40**
